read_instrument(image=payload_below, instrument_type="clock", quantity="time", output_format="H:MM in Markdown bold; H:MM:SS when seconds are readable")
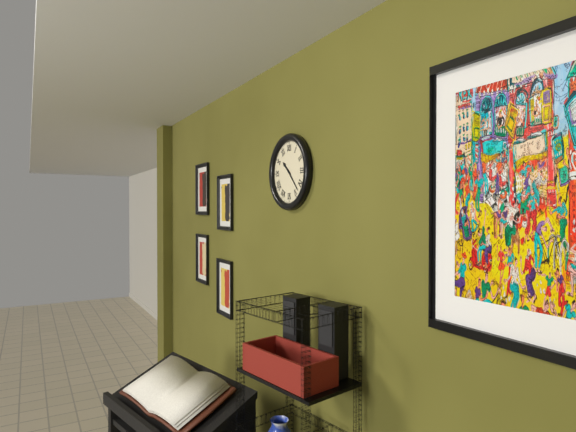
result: **10:23**
